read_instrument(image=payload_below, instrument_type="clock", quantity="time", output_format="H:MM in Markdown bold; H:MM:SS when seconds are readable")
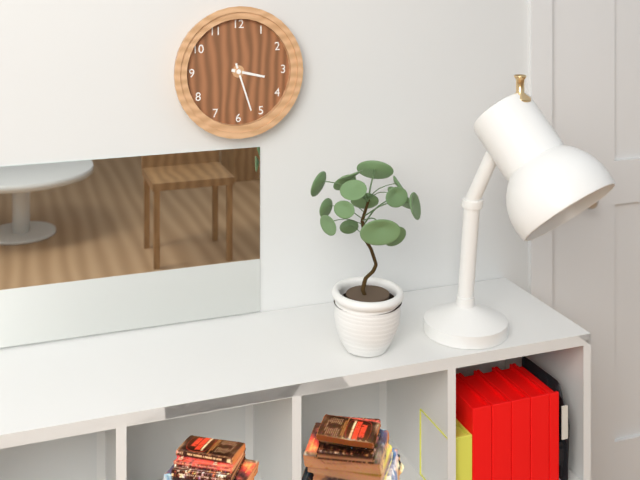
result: **3:27**
